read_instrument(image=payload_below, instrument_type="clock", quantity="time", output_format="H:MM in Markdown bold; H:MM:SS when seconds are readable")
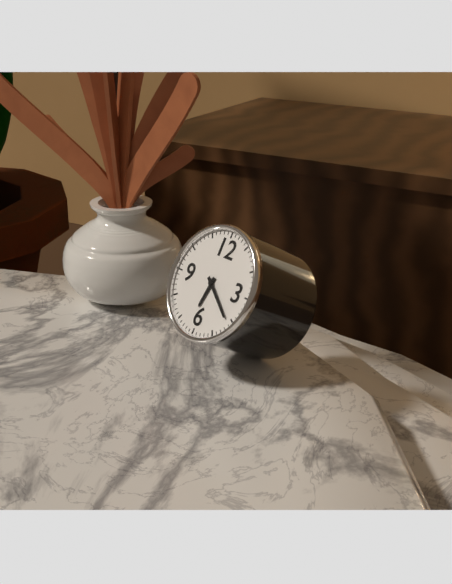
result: **6:21**
